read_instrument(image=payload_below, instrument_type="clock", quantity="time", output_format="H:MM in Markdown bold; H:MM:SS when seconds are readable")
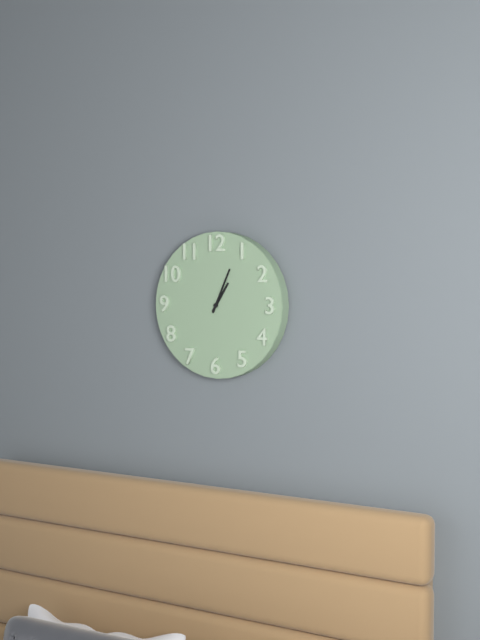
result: **1:04**
